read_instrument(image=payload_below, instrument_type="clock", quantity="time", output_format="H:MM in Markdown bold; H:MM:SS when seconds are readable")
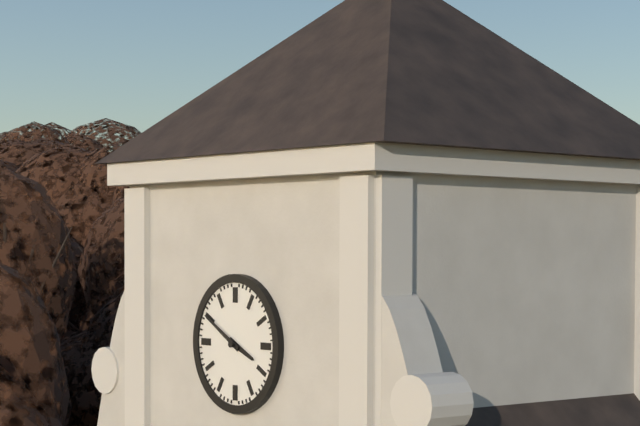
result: **3:50**
